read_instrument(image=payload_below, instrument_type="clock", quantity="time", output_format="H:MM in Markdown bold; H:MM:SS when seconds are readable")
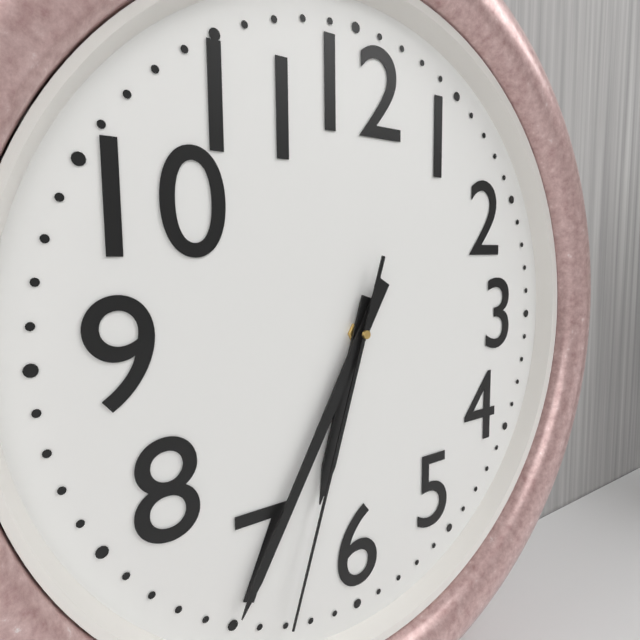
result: **6:35:33**
